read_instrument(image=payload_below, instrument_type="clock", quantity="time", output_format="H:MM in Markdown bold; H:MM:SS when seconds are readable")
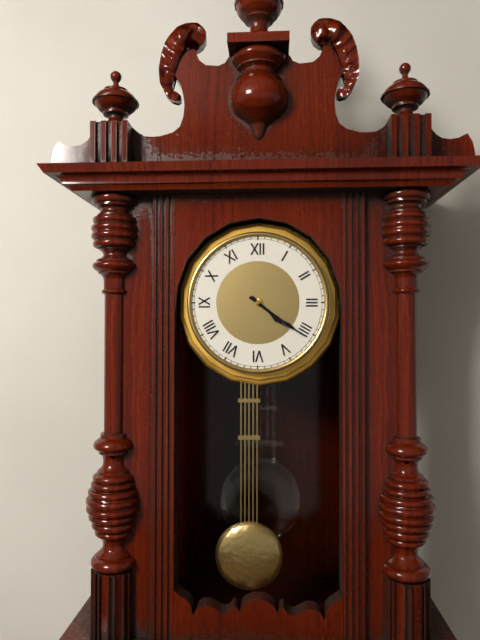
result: **4:21**
